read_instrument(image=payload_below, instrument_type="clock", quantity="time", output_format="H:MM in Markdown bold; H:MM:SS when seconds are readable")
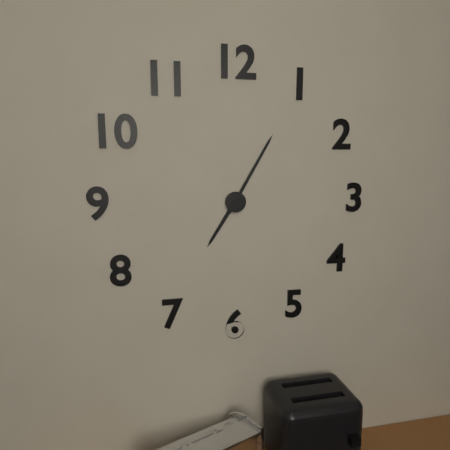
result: **7:05**
